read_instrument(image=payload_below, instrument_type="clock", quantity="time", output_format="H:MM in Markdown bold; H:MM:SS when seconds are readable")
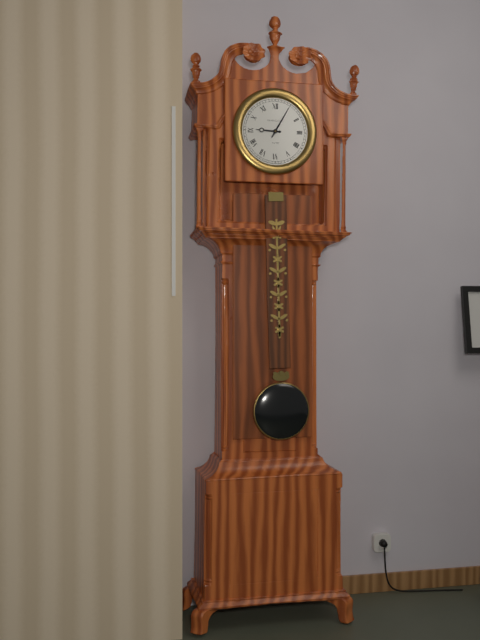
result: **9:05**
